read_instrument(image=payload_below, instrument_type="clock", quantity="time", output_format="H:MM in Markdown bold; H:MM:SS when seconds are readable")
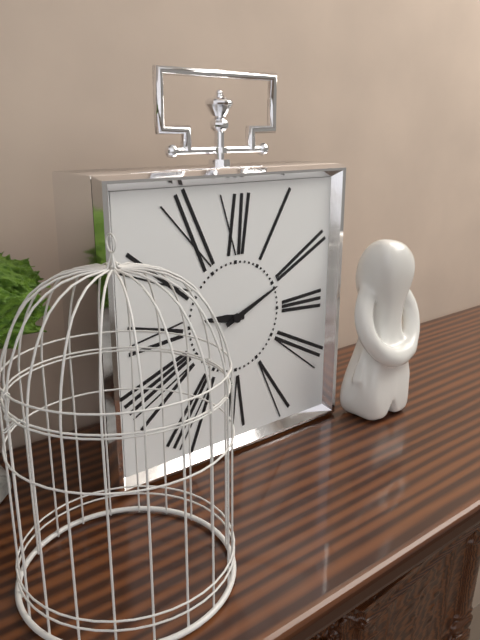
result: **9:11**
